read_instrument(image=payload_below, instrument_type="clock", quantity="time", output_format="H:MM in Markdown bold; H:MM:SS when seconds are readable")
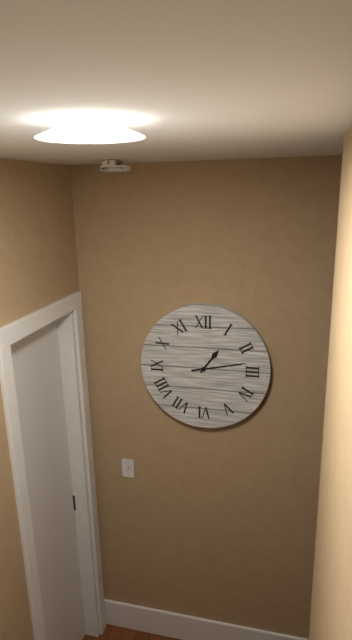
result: **1:13**
